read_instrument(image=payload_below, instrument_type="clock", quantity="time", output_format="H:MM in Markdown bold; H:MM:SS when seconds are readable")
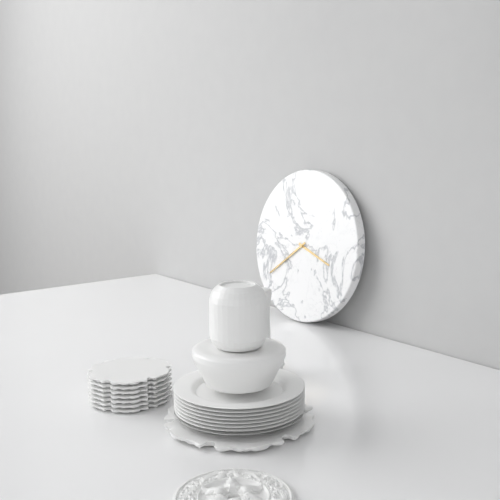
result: **3:39**
